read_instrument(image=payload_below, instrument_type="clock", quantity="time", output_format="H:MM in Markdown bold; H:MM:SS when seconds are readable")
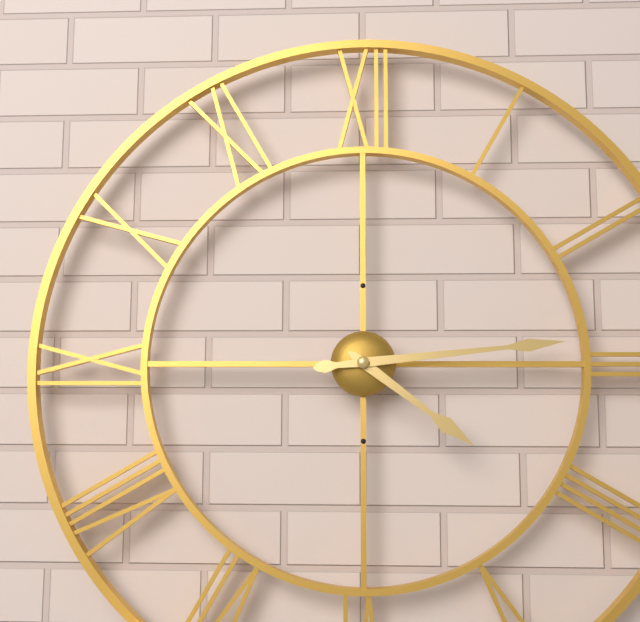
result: **4:14**
